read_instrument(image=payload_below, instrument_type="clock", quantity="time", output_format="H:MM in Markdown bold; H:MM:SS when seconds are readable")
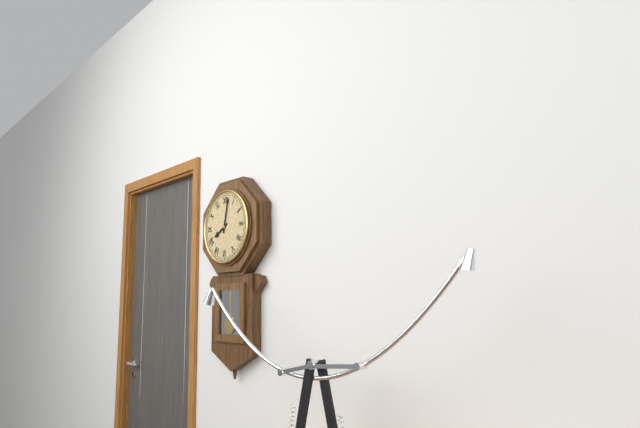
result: **8:02**
